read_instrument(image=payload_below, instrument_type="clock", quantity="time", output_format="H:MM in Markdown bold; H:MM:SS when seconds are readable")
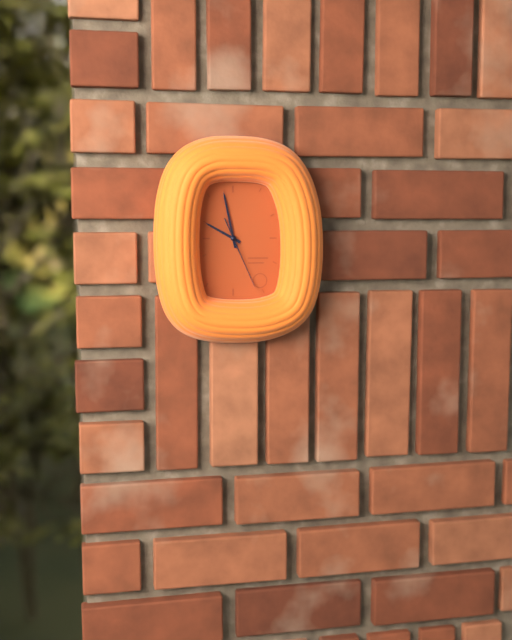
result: **9:58:26**
